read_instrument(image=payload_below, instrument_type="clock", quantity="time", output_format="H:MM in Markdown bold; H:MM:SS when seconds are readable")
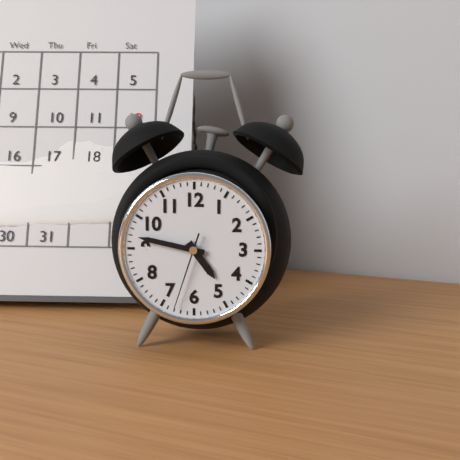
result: **4:47:33**
